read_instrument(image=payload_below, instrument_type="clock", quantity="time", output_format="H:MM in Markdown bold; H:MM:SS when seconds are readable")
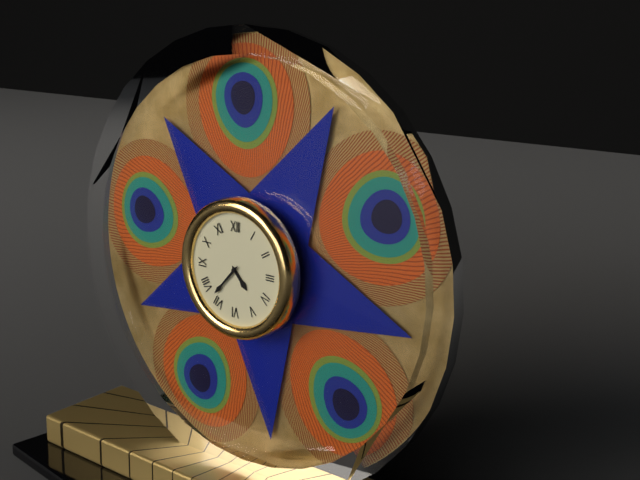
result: **4:37**
